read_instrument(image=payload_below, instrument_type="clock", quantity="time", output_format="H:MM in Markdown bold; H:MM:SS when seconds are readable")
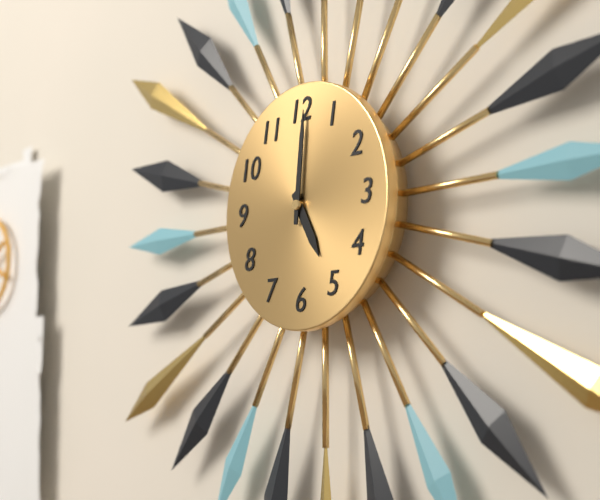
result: **5:01**
